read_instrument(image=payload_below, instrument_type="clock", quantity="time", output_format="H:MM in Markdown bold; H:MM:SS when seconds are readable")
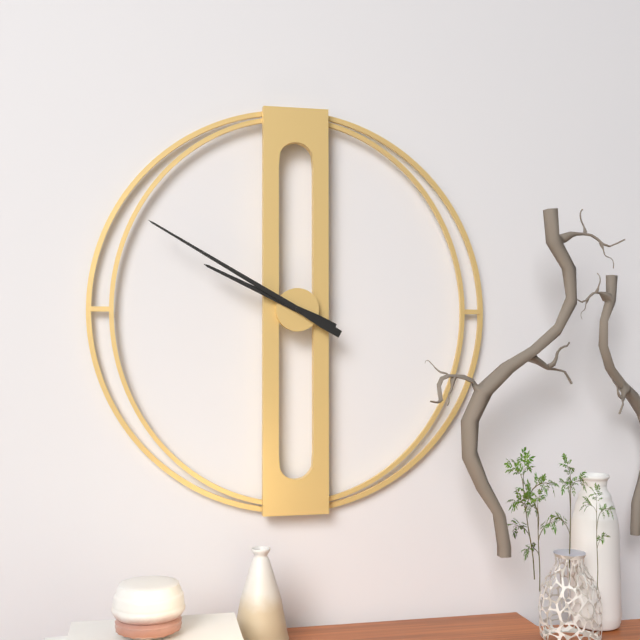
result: **9:50**
